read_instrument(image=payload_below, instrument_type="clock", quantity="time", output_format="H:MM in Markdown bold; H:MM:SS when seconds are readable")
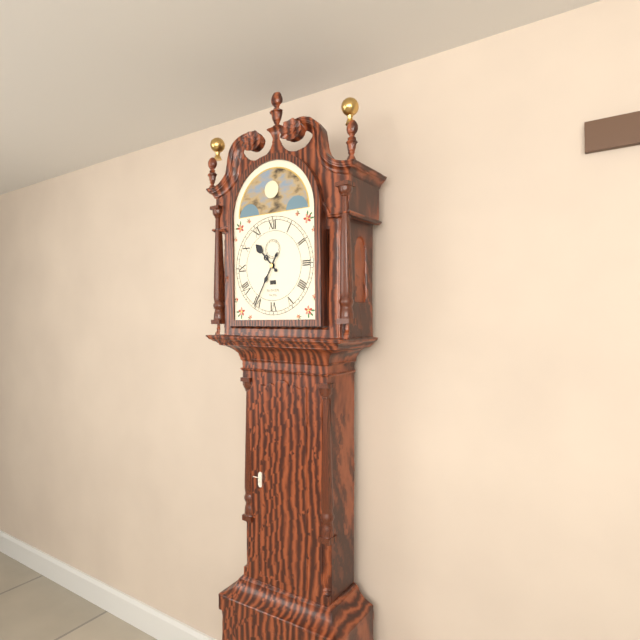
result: **10:35**
